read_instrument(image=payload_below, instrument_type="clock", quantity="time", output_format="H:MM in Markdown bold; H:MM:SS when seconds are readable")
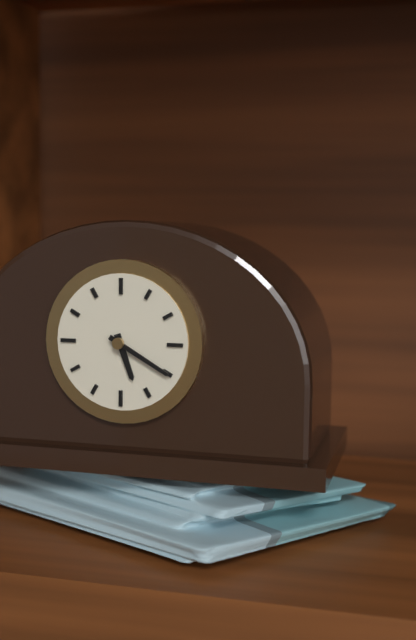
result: **5:20**
